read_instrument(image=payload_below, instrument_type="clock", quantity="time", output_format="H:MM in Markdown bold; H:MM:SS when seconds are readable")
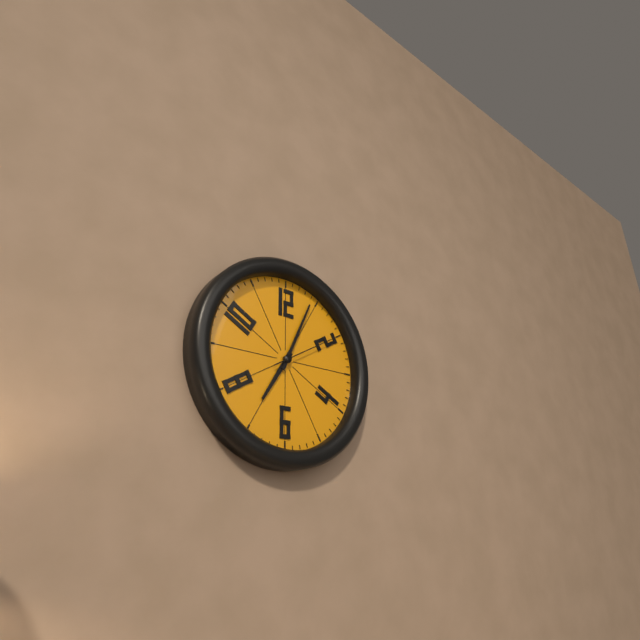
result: **7:04:10**
